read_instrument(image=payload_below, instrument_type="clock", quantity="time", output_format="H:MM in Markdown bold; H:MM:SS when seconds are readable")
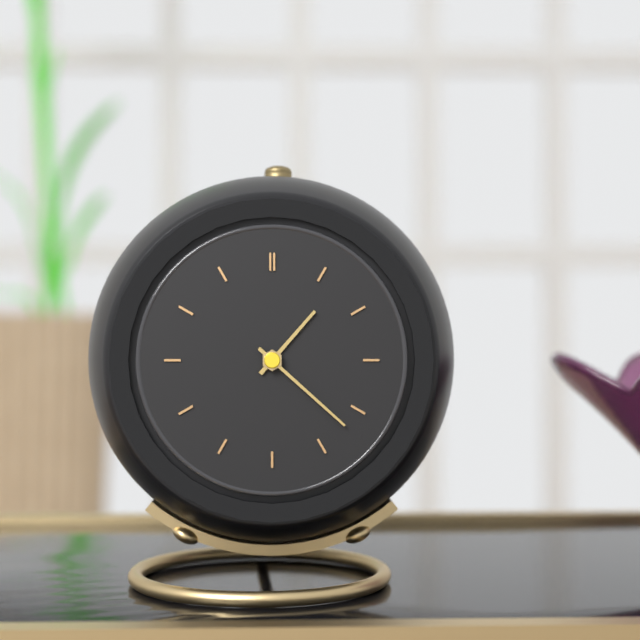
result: **1:22**
